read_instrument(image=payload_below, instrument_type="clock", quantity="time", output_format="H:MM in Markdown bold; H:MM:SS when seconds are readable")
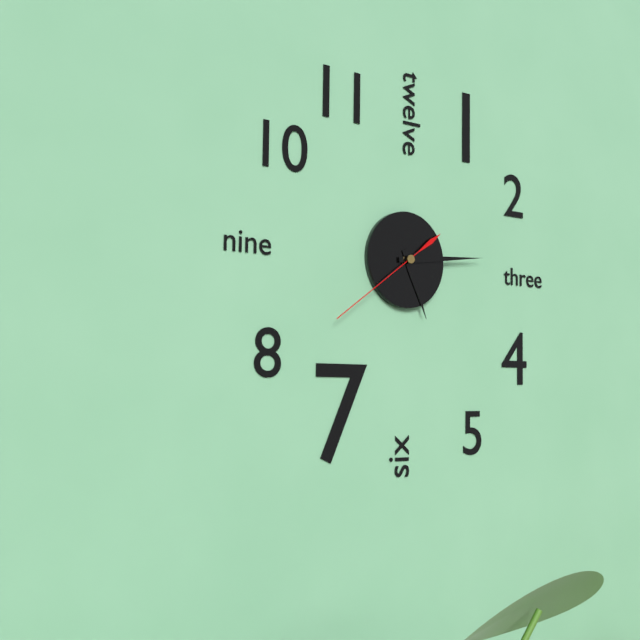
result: **5:14:39**
